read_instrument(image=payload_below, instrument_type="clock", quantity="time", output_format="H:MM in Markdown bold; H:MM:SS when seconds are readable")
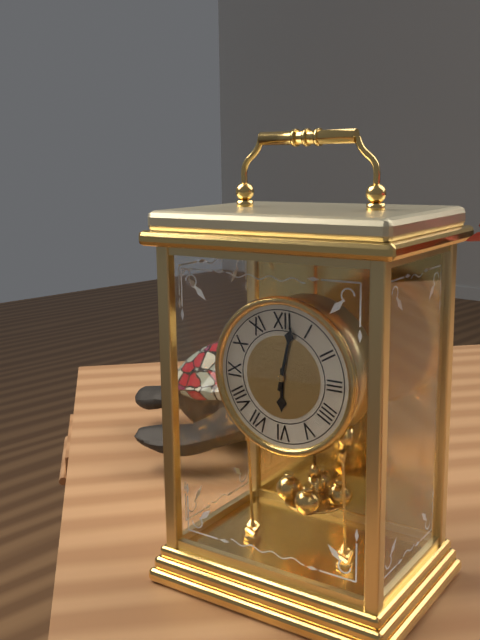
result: **6:02**
